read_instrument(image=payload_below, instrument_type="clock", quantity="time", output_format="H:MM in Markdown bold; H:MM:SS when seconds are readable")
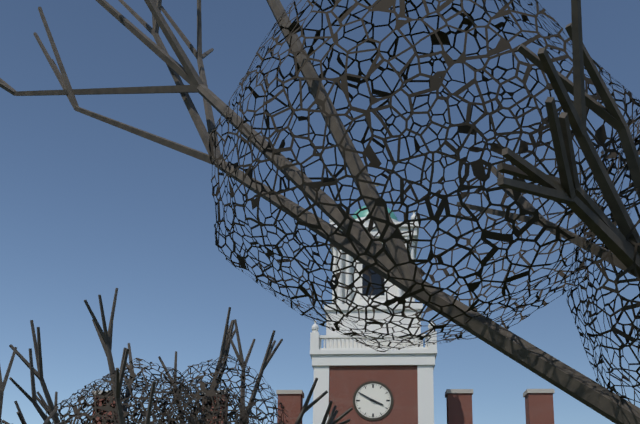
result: **3:50**
